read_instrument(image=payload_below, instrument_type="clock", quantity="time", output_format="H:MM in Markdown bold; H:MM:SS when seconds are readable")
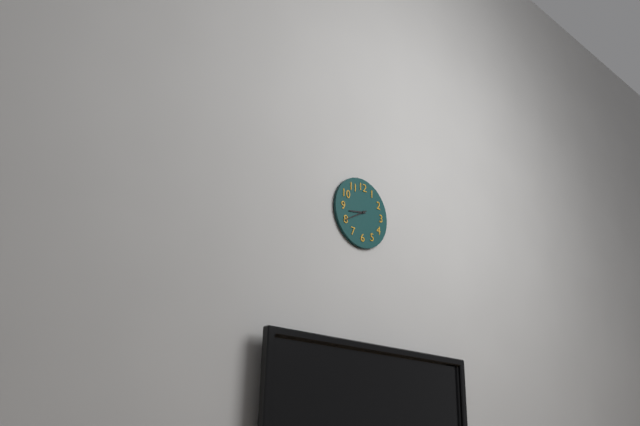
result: **8:40**
